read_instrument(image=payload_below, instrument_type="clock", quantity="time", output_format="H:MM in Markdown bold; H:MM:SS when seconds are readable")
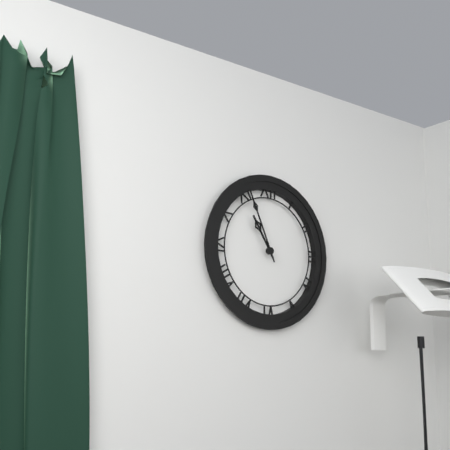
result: **10:56**
